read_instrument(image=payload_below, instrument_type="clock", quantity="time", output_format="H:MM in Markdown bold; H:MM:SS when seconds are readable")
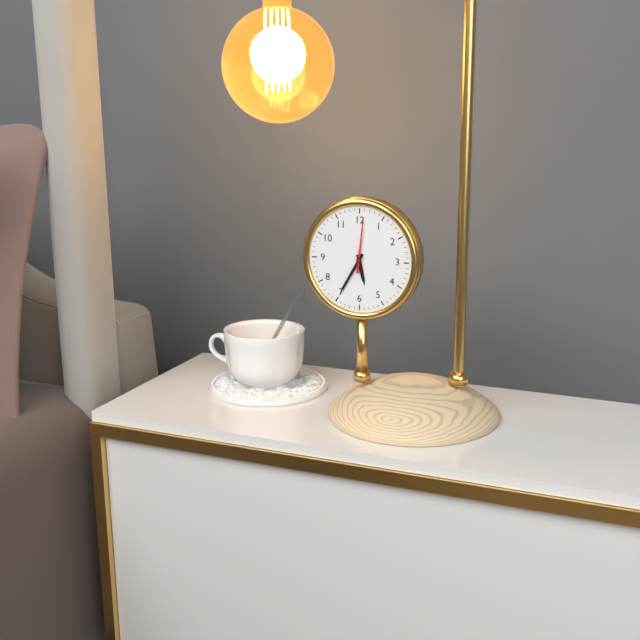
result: **5:35:01**
